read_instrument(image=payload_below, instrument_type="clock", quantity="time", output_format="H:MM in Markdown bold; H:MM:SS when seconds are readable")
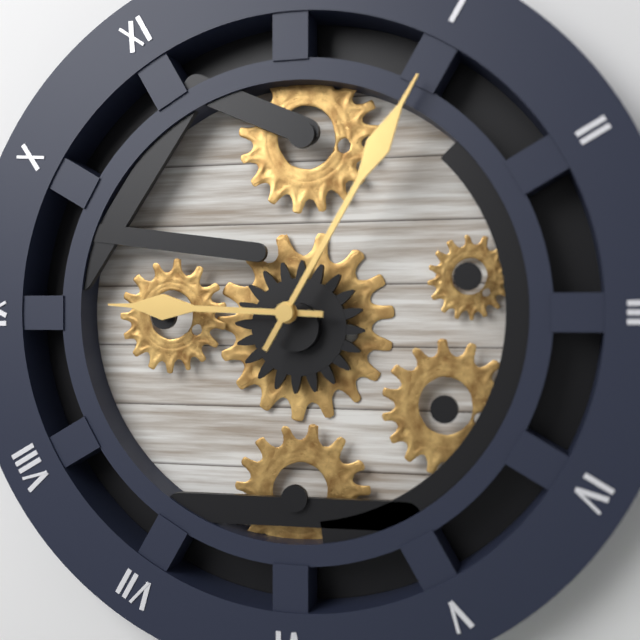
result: **9:05**
